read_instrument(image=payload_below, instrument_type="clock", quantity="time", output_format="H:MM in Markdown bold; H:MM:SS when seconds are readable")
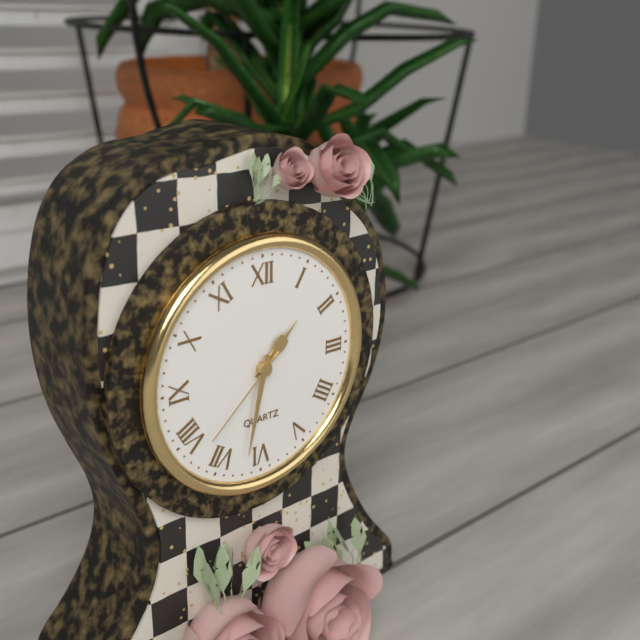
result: **1:32:38**
